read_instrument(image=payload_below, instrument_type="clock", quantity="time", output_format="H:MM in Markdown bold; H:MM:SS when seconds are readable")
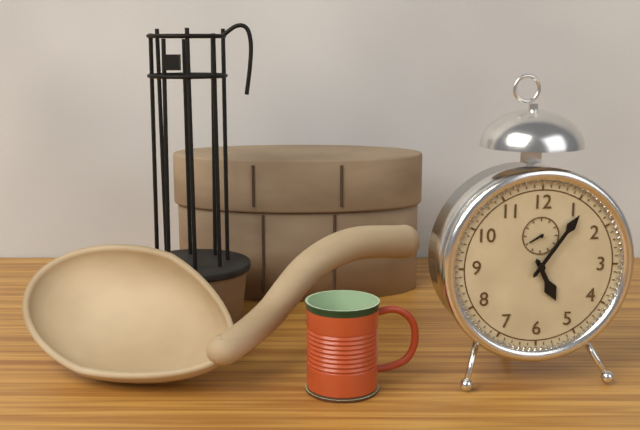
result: **5:06**
